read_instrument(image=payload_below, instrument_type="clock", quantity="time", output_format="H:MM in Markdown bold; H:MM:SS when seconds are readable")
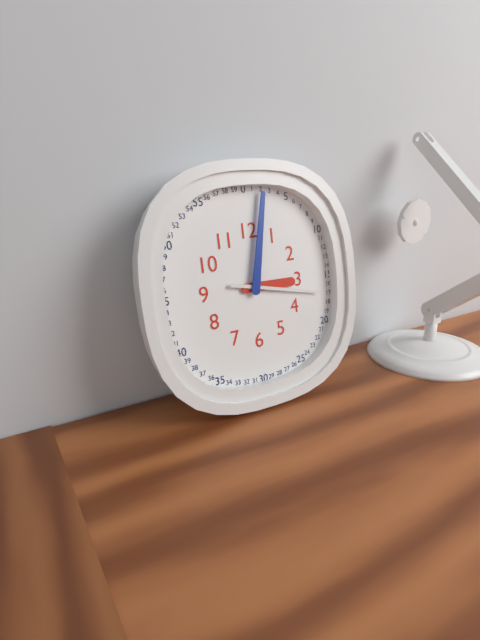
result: **3:02:17**
